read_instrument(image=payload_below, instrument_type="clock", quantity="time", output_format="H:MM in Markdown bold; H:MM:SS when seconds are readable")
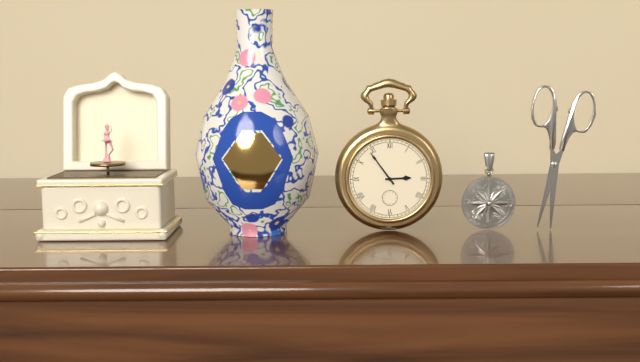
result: **2:54**
